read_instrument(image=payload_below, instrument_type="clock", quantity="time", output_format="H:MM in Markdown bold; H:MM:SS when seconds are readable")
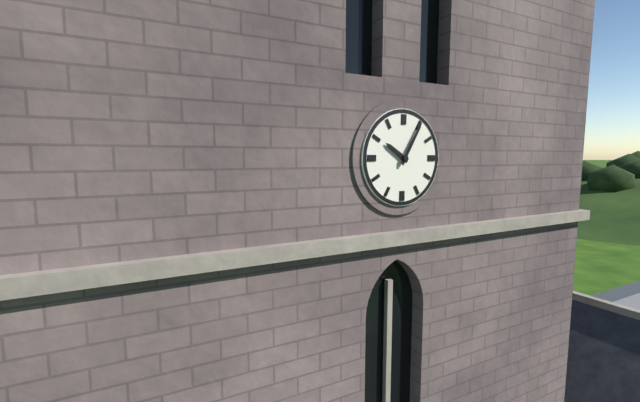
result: **10:05**
